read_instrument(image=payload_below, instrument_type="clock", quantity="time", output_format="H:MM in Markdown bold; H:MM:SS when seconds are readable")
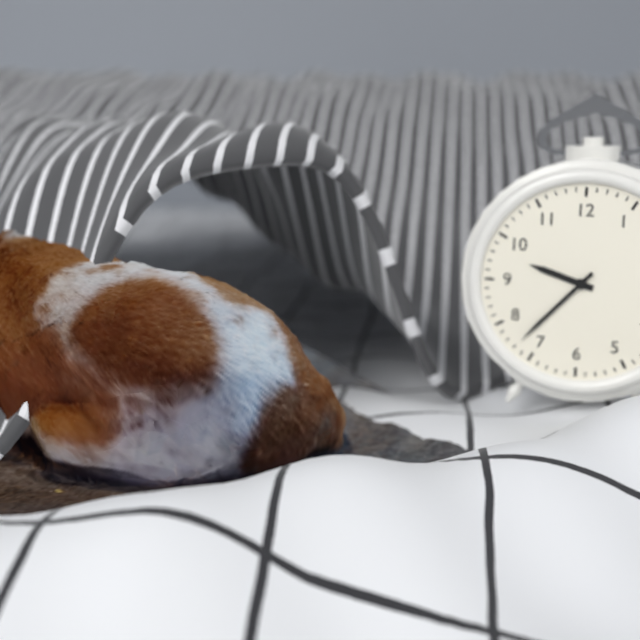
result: **9:37**
